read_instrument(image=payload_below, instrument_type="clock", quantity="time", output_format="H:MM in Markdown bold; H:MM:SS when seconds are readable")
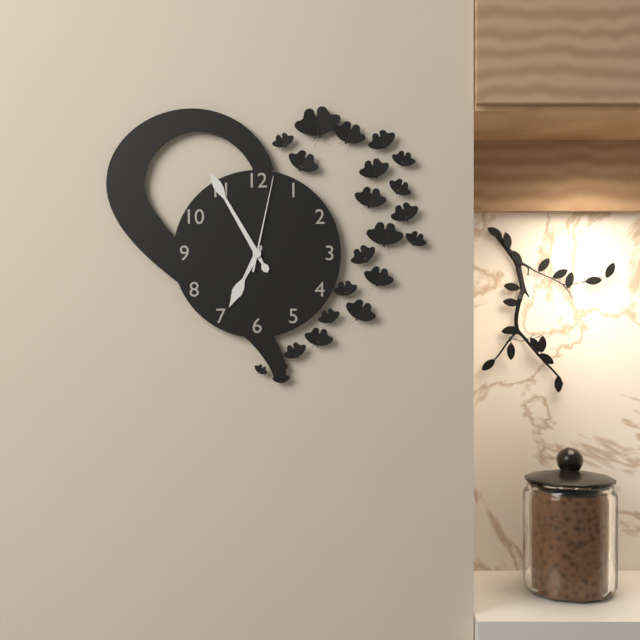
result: **6:55:02**
